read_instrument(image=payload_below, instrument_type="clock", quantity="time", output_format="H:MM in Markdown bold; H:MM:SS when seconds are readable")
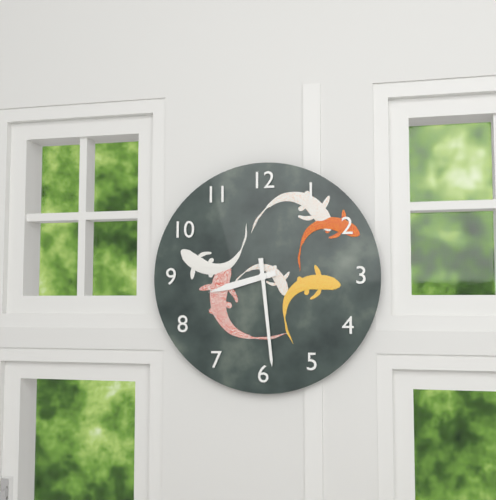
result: **8:29**
